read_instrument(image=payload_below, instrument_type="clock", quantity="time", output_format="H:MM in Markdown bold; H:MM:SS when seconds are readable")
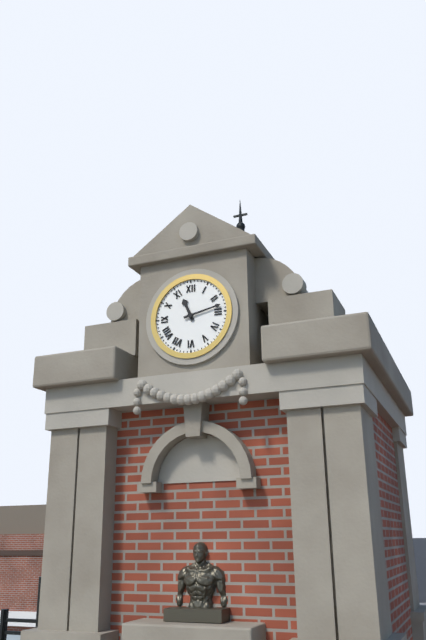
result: **11:13**
